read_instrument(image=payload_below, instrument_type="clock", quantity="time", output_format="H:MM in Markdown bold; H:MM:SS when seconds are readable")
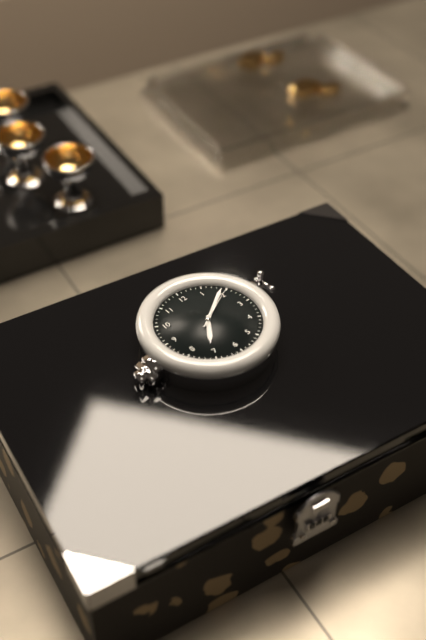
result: **7:09:10**
